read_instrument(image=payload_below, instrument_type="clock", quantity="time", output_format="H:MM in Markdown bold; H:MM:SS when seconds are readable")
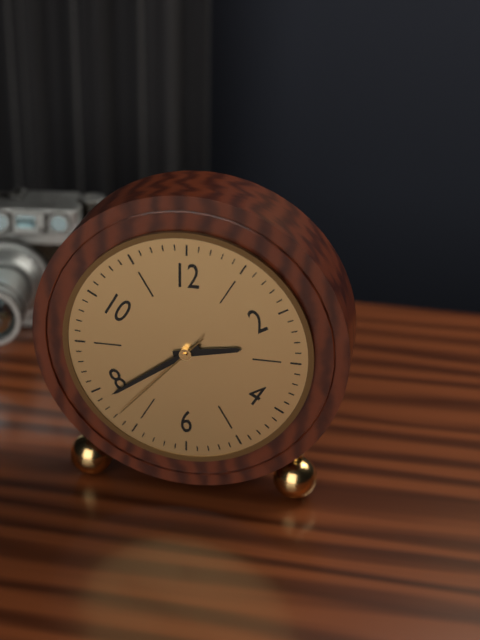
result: **2:39:37**
